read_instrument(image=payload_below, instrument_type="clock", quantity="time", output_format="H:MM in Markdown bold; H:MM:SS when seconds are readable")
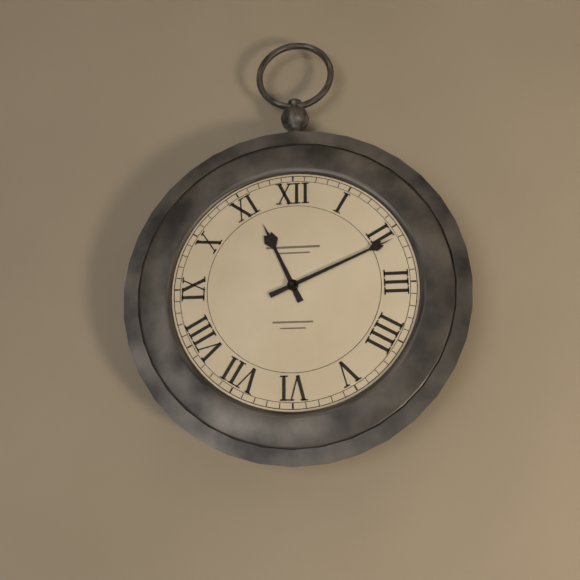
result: **11:11**
